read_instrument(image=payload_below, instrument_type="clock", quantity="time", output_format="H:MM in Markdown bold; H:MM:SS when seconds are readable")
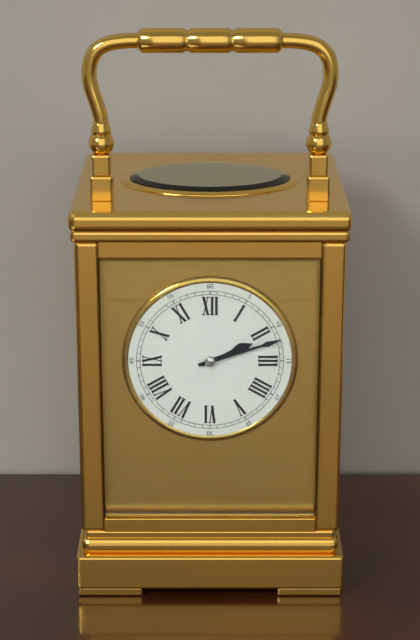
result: **2:12**
